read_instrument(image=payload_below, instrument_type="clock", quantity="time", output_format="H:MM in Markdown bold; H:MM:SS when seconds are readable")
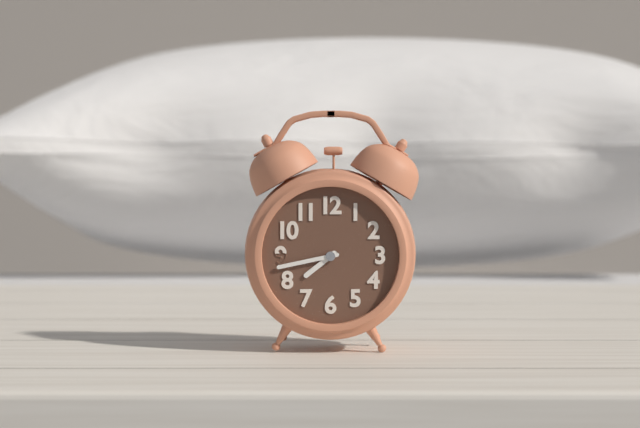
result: **7:43**
